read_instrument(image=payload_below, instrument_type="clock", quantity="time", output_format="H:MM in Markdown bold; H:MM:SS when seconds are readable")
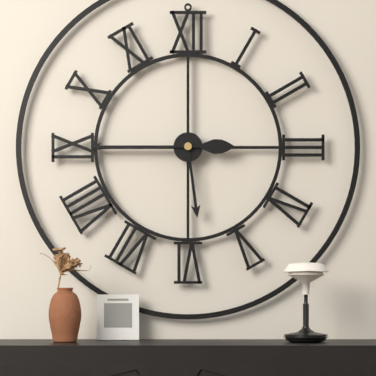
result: **5:45**
